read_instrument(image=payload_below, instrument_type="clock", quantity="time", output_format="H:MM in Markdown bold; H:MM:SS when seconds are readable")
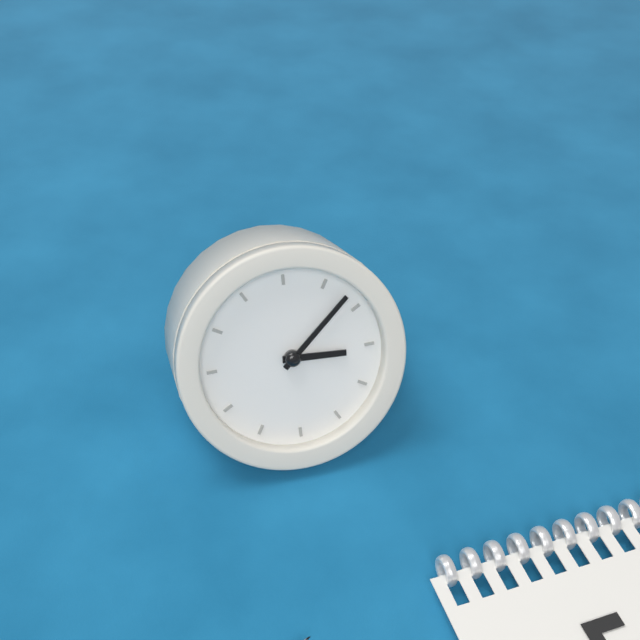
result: **3:08**
